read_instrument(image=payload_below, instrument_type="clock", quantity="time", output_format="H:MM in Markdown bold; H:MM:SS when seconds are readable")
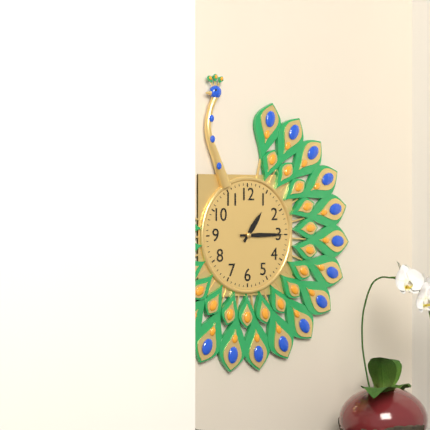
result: **1:15**
